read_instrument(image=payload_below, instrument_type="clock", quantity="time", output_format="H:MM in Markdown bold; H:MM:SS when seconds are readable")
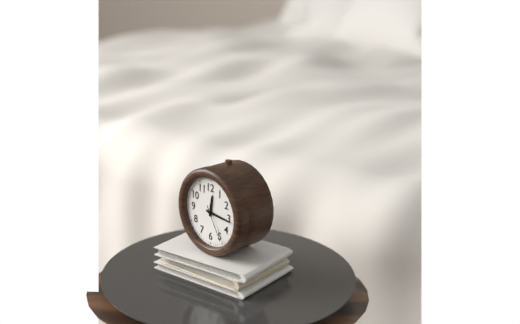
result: **12:16**
